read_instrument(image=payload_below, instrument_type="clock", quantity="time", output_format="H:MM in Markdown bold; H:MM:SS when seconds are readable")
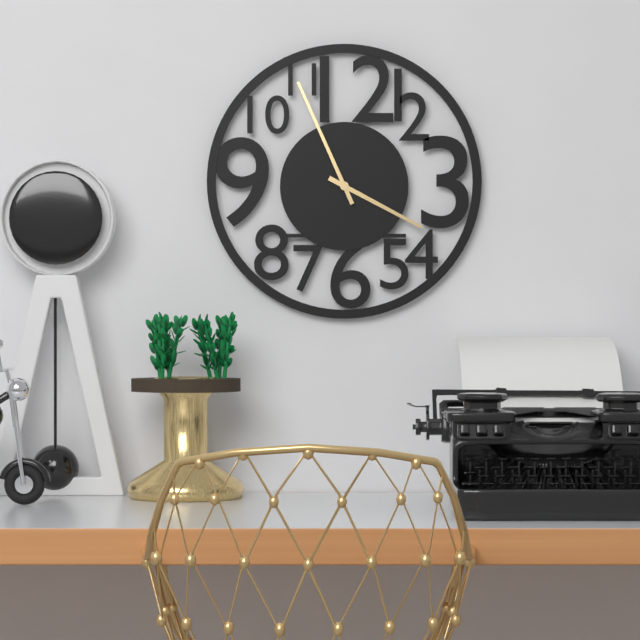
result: **3:56**
